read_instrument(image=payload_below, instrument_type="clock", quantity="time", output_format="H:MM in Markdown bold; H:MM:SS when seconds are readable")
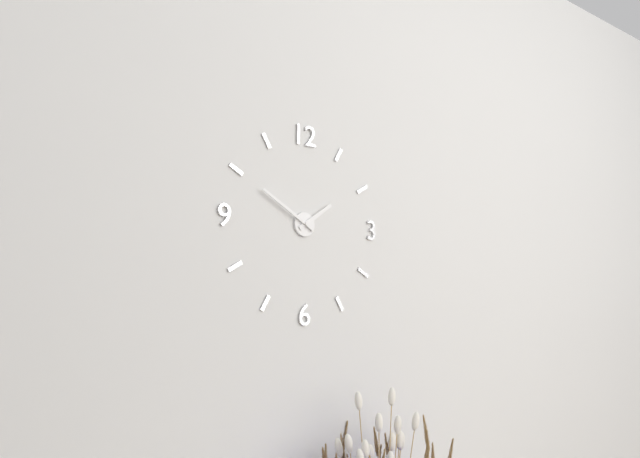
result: **1:50**
